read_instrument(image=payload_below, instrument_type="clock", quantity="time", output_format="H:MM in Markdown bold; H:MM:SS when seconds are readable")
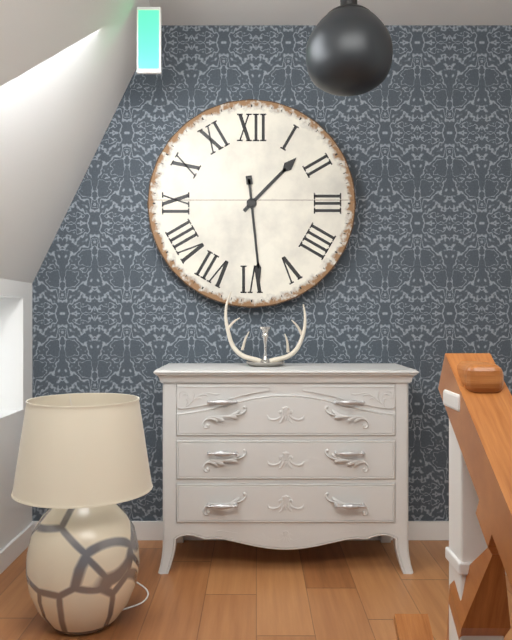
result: **1:29**
